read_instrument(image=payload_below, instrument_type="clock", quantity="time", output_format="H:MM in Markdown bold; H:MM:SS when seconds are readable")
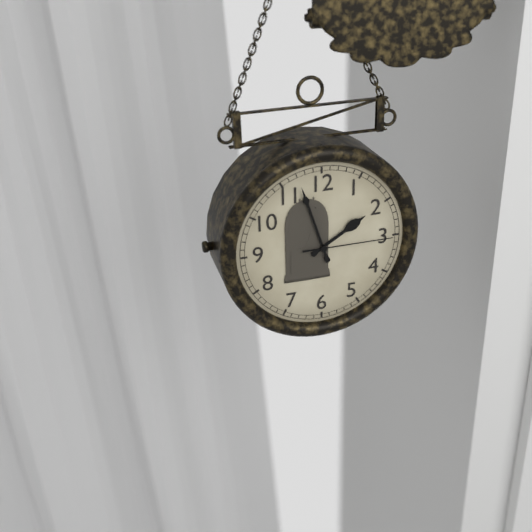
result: **1:57:15**
